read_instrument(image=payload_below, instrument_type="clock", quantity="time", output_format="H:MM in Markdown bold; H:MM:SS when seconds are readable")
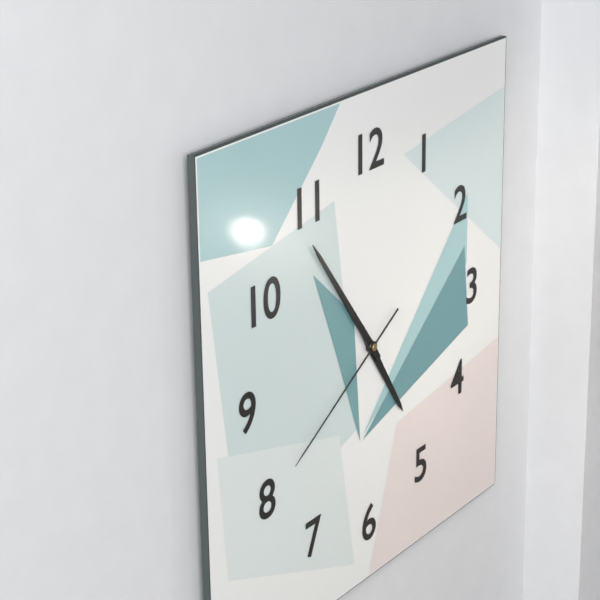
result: **4:54:40**
